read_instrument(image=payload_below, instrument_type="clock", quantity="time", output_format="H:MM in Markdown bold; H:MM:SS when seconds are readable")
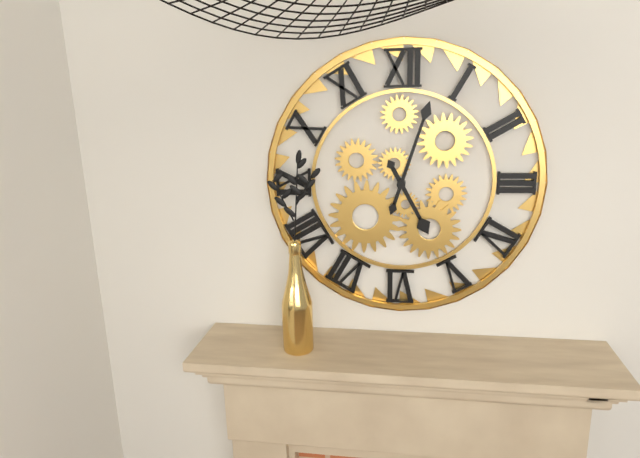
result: **5:03**
